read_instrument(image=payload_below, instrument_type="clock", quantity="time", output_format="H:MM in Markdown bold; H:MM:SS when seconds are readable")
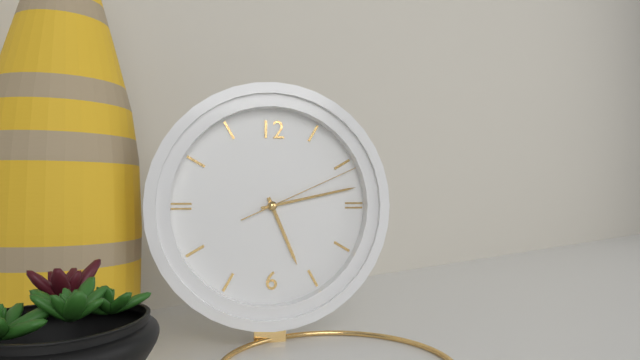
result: **5:13:11**
